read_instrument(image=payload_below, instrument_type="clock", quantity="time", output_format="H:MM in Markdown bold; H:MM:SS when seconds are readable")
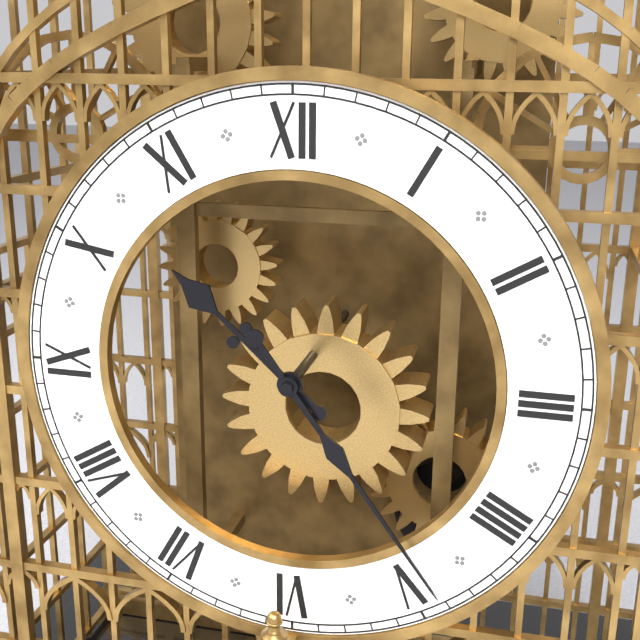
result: **10:24**
